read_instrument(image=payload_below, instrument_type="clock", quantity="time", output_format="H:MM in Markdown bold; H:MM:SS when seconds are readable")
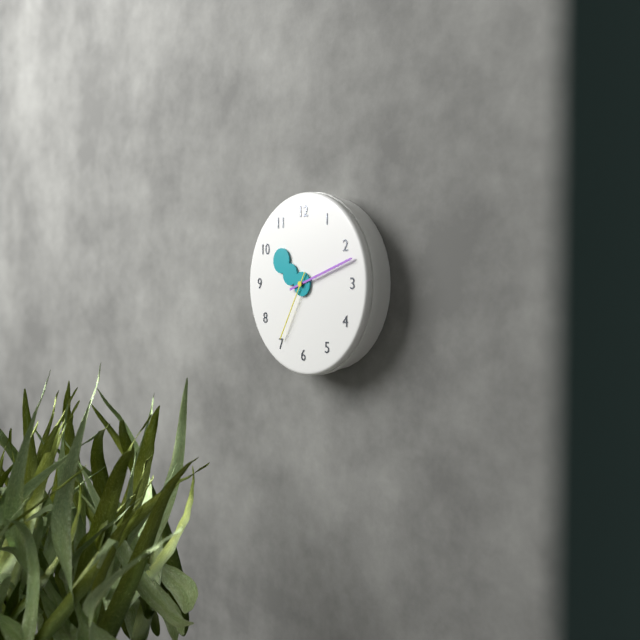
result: **10:12:35**
